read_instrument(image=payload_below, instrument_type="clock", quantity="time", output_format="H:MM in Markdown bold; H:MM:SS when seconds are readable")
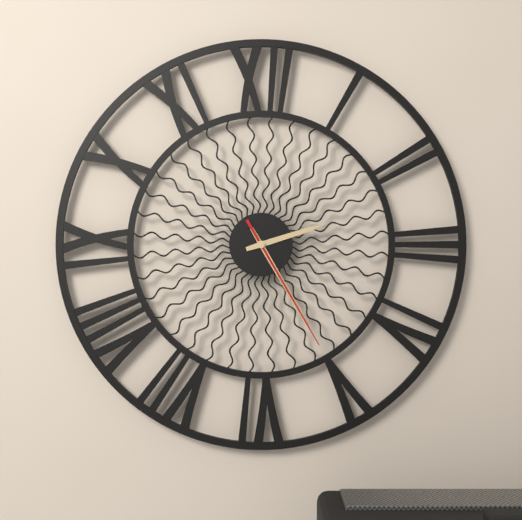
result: **2:25:25**
